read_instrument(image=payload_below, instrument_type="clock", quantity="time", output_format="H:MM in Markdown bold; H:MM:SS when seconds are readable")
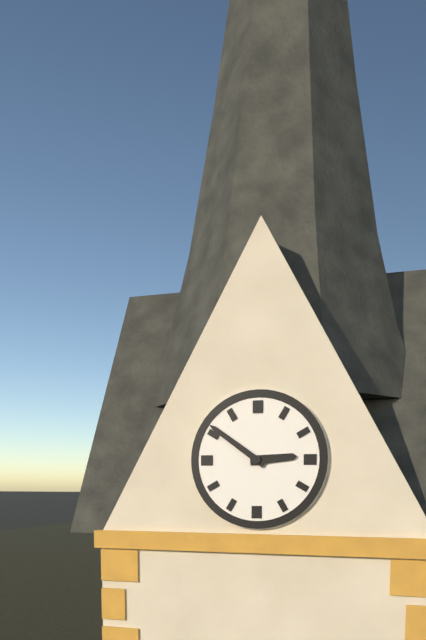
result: **2:51**
